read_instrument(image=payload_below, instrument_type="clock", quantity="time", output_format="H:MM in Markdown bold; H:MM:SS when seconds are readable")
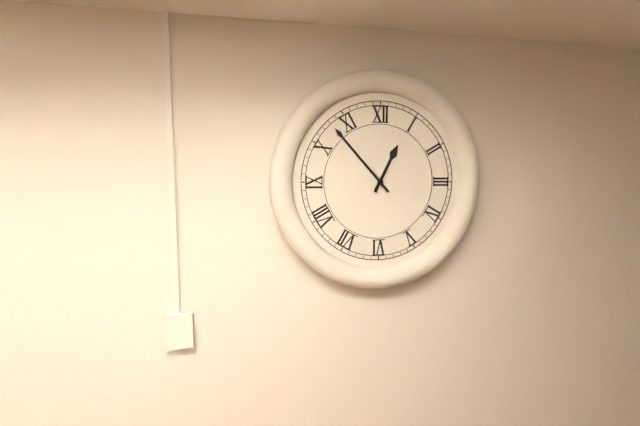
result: **12:53**
